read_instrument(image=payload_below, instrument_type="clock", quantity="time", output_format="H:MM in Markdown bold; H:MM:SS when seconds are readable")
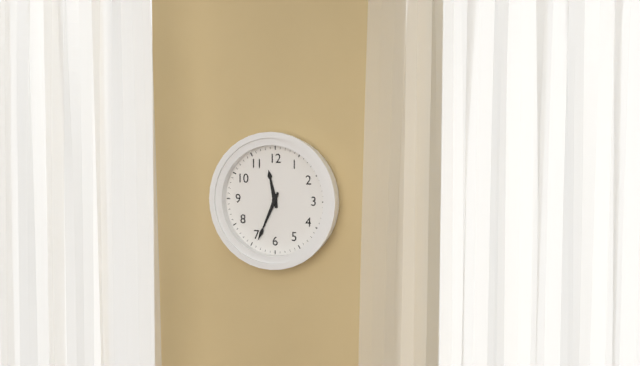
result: **11:34**
